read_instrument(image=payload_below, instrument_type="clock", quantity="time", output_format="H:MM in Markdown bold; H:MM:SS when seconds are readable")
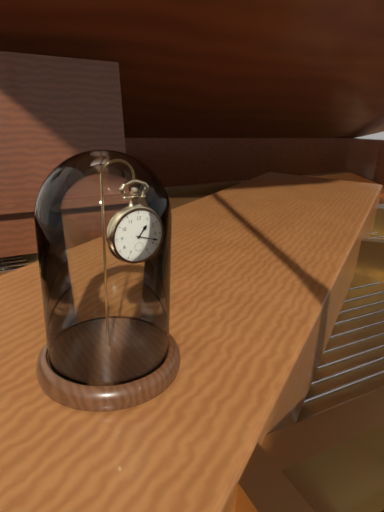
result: **1:18**
